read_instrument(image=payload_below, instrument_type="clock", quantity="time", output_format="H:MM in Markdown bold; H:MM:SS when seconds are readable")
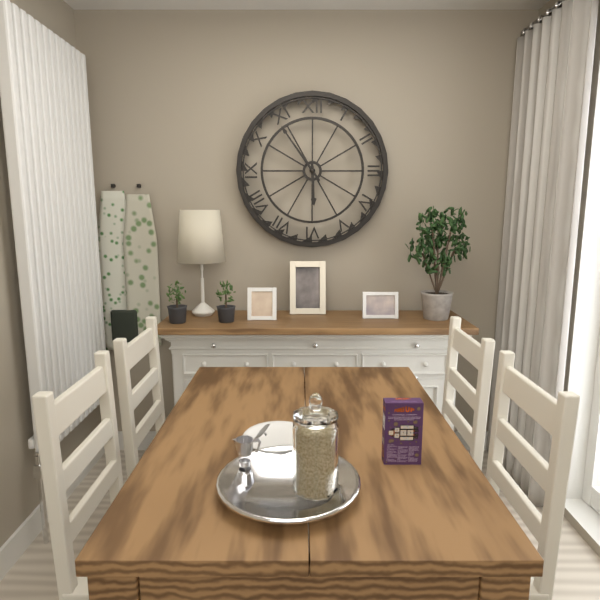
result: **5:54**
